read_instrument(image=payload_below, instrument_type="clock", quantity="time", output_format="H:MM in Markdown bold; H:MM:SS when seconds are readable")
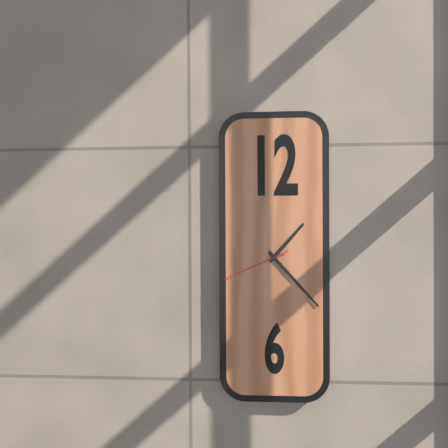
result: **1:23:41**
